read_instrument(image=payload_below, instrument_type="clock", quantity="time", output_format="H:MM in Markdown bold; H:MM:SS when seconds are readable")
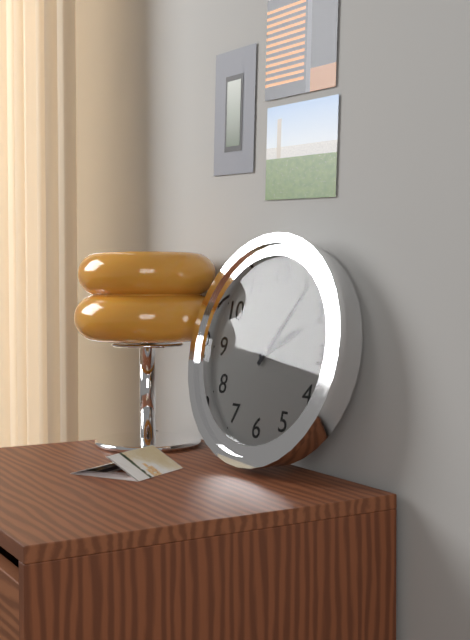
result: **2:06**
